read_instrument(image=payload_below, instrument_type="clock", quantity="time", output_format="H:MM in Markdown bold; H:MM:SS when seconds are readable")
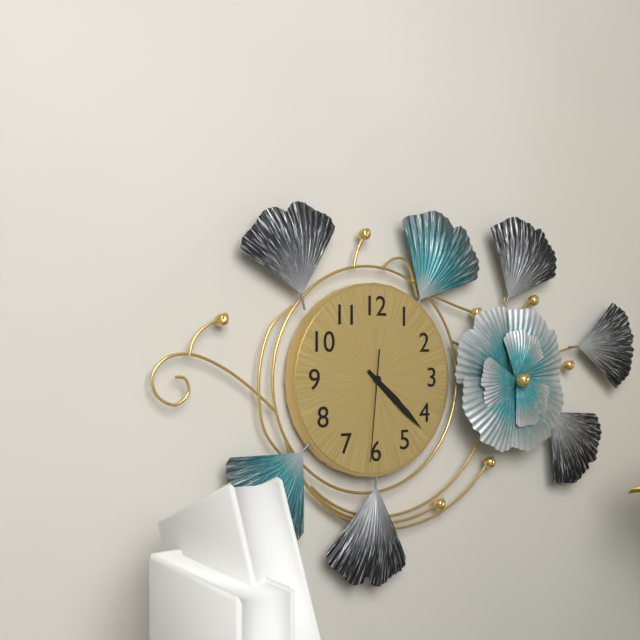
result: **4:22:31**
